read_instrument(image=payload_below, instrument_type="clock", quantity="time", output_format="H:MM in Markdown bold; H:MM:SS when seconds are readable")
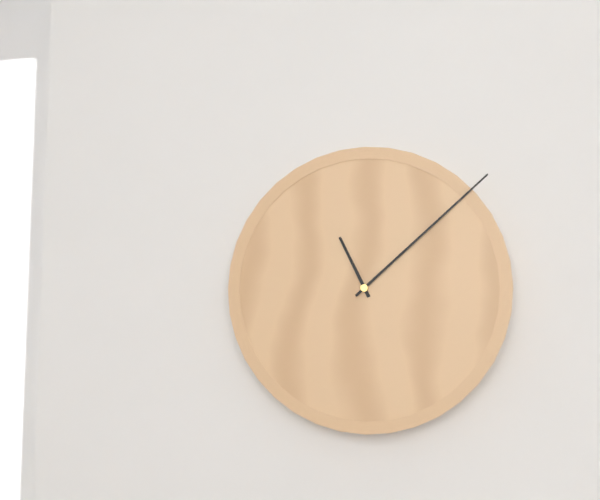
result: **11:08**
